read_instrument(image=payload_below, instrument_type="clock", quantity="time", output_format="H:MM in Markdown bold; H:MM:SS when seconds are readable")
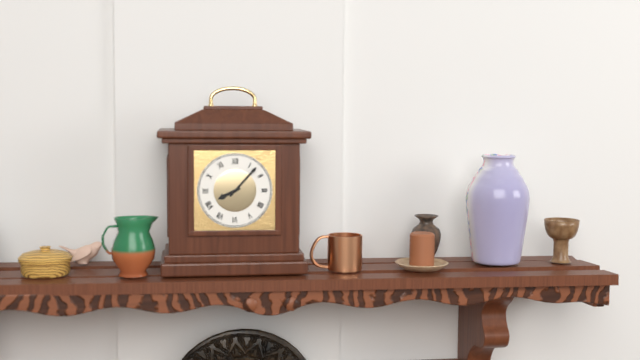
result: **8:07**
